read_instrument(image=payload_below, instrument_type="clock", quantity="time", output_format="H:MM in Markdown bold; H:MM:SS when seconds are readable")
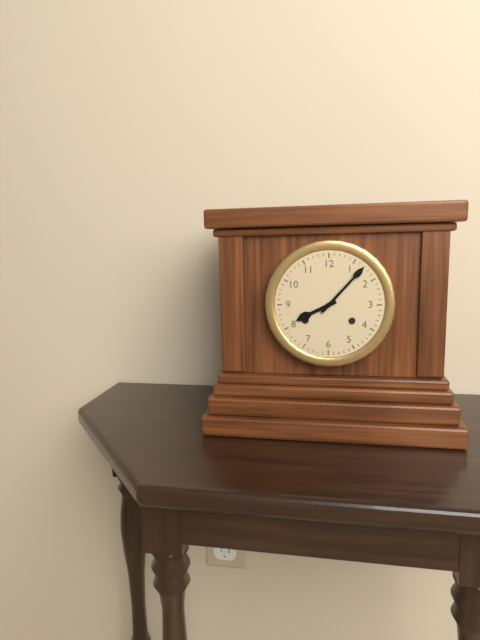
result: **8:07**
